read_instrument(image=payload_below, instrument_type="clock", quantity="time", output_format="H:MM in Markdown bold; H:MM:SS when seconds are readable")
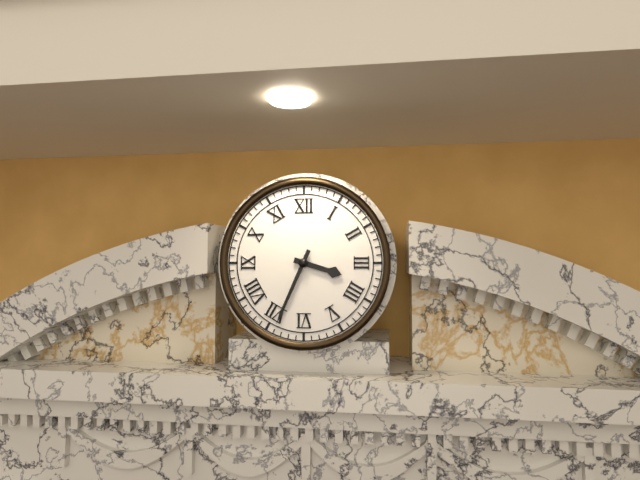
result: **3:34**
